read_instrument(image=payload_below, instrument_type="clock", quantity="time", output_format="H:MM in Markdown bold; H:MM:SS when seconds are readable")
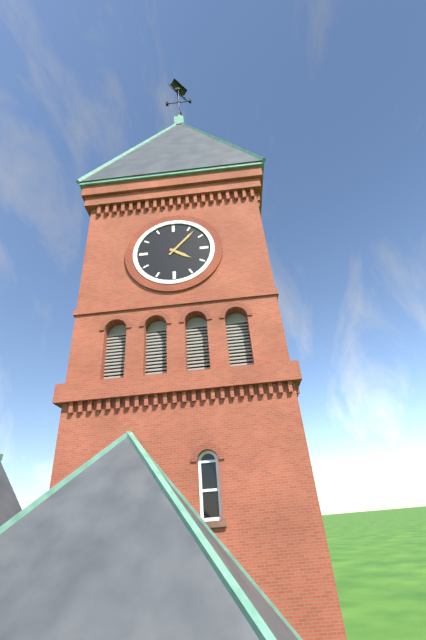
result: **4:07**
